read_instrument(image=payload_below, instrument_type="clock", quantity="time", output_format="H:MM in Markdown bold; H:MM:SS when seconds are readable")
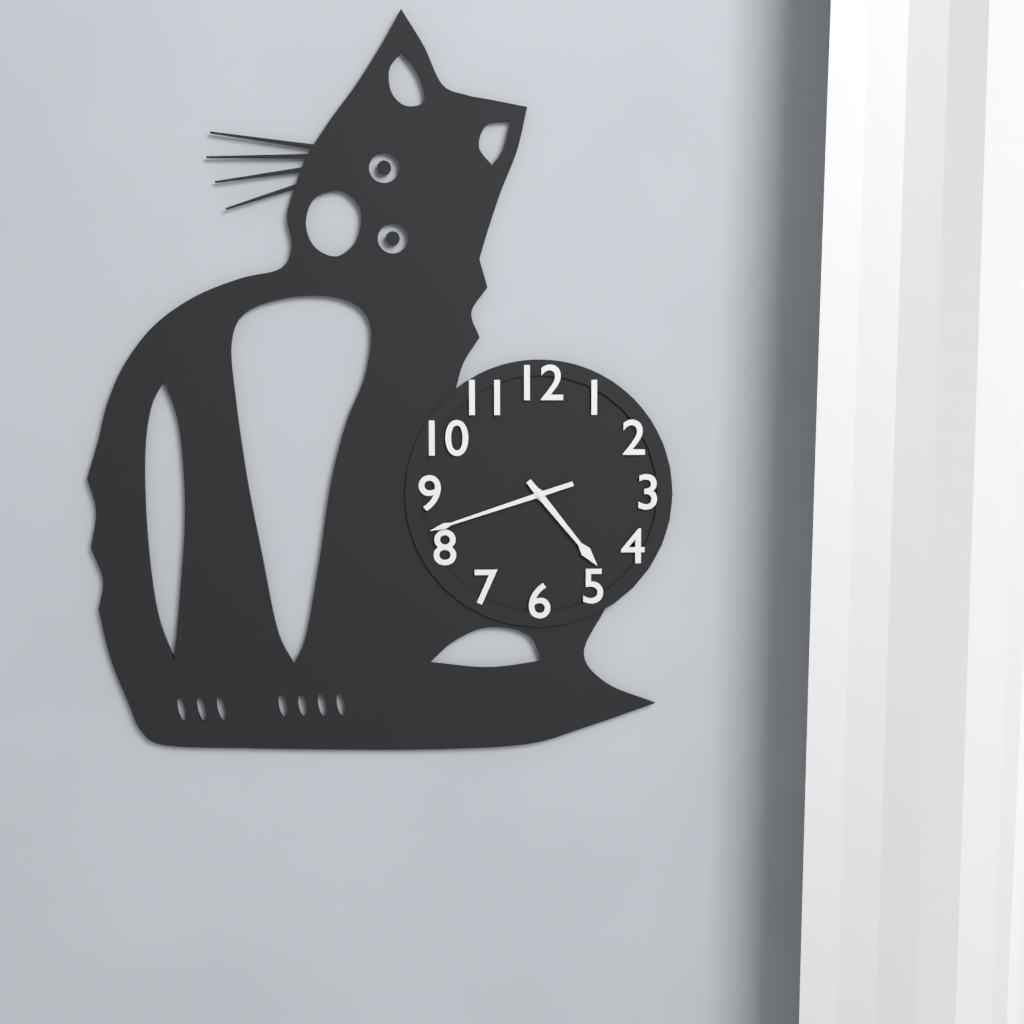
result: **4:42**
